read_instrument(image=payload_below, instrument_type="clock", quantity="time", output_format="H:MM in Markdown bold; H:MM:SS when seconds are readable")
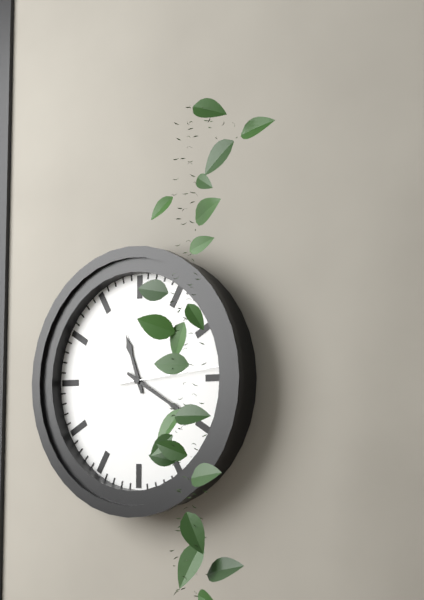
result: **11:20:14**
